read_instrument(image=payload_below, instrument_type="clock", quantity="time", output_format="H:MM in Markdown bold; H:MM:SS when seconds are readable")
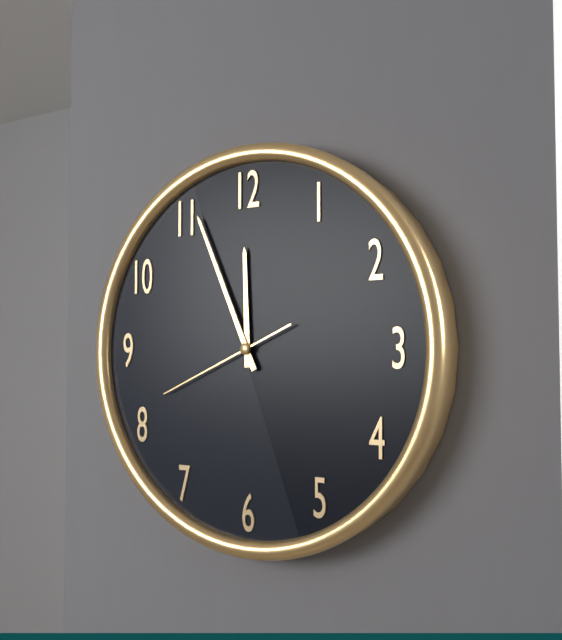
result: **11:56:41**
